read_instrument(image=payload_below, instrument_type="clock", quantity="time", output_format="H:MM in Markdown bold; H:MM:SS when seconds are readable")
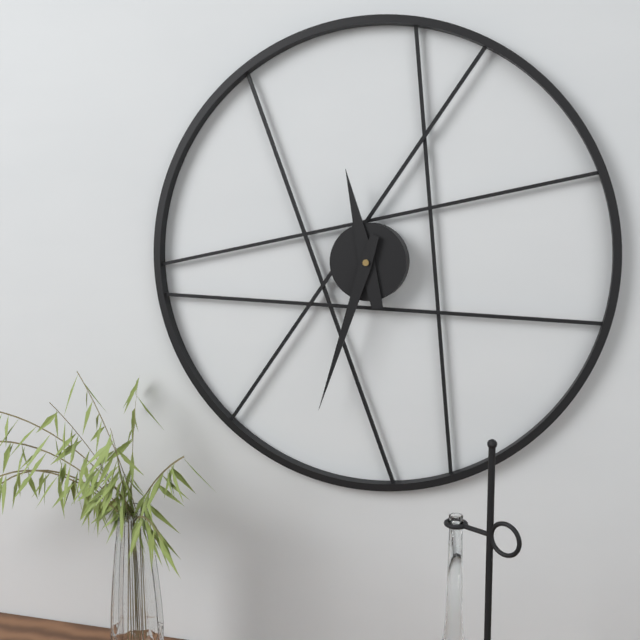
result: **11:33**
